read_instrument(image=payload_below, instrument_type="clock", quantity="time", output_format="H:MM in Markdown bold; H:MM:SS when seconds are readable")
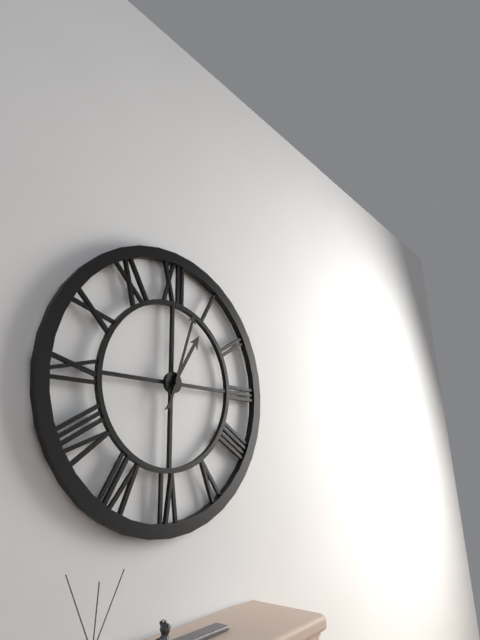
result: **1:03**
